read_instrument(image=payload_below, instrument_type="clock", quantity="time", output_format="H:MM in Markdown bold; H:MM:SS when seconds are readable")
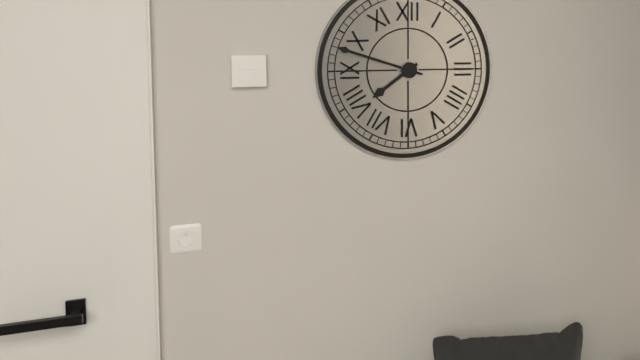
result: **7:48**
